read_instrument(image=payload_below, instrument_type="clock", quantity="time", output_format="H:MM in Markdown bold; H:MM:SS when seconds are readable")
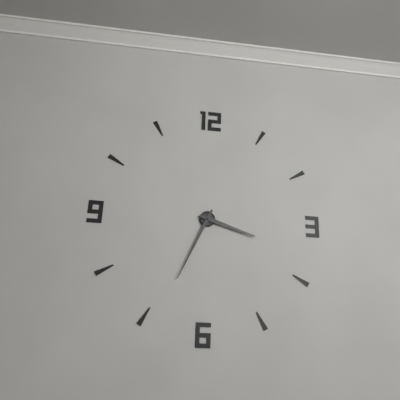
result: **3:34**
